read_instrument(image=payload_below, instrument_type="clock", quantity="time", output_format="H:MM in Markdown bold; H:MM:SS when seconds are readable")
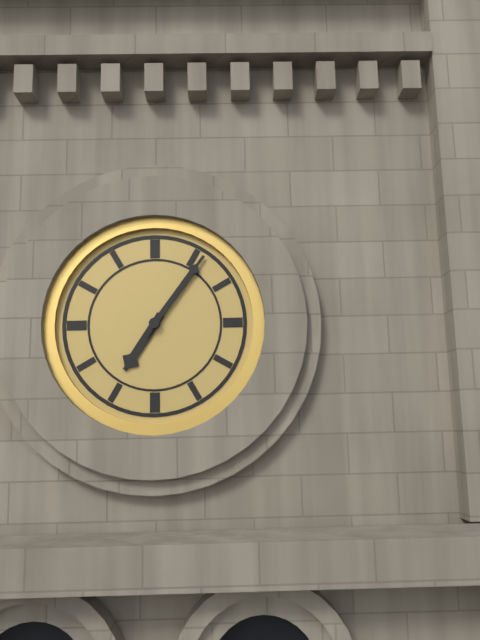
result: **7:06**
